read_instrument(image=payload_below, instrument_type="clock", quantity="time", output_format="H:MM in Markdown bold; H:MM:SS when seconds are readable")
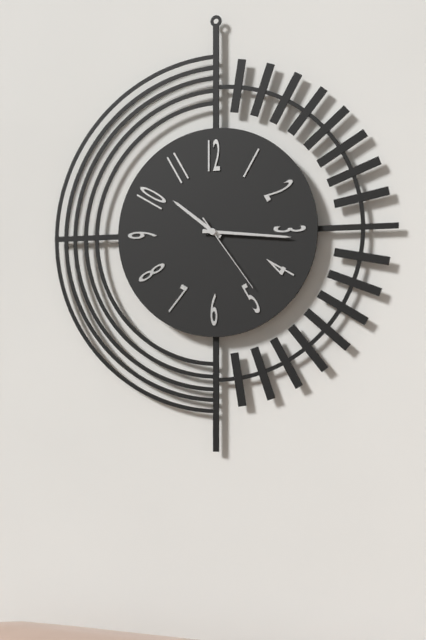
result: **10:16:24**
